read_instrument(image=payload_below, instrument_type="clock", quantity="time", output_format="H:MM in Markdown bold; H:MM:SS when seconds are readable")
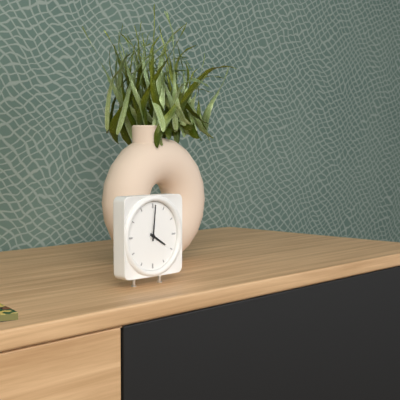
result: **4:01**
